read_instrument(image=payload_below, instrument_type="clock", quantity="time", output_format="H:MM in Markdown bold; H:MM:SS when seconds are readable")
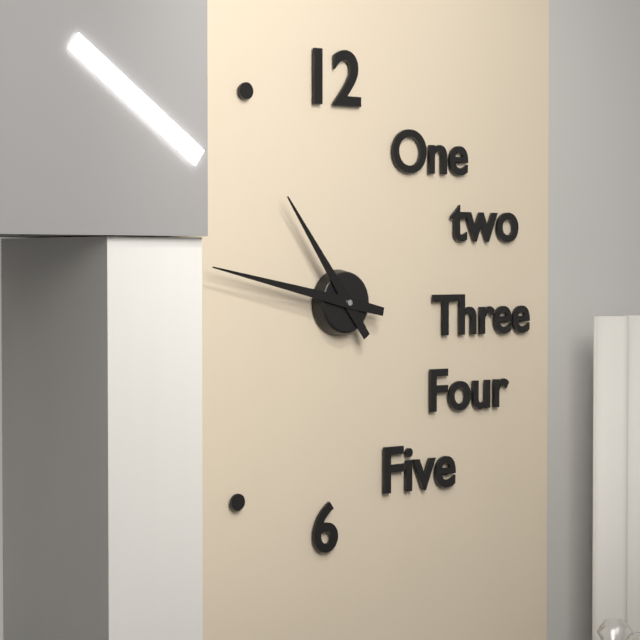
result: **10:47**
